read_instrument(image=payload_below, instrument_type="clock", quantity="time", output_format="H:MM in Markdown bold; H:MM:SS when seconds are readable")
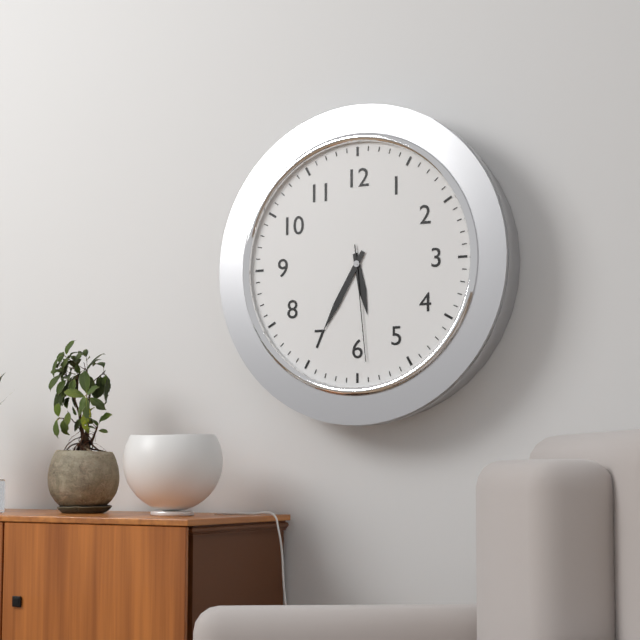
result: **5:35:29**
